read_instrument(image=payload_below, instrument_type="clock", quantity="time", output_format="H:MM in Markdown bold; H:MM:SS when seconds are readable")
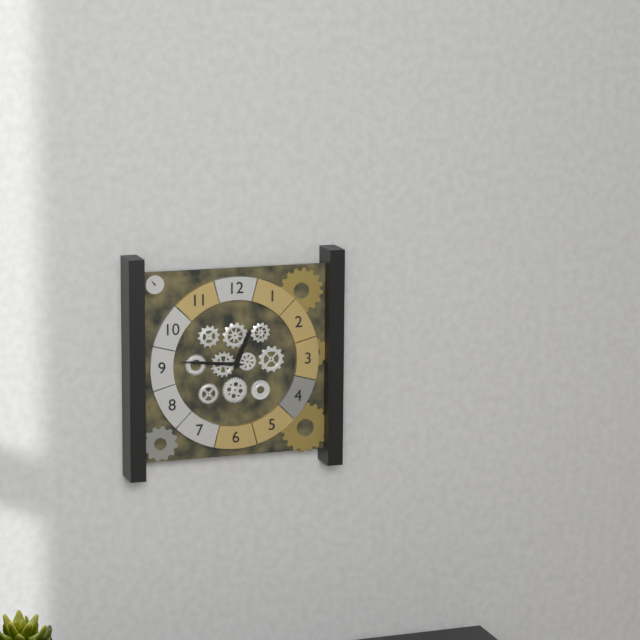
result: **12:46**
